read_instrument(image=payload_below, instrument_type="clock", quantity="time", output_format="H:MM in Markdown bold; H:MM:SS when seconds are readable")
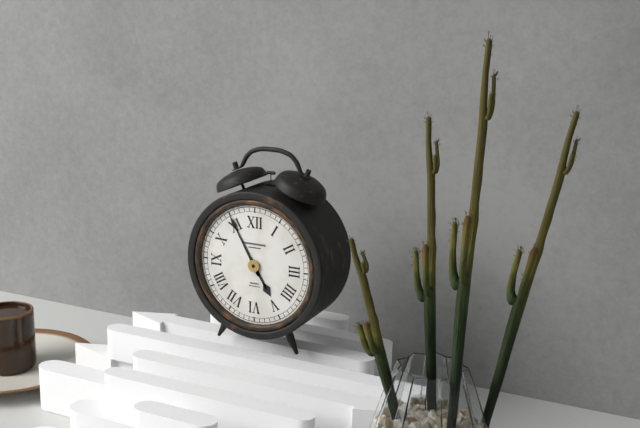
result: **4:55**
